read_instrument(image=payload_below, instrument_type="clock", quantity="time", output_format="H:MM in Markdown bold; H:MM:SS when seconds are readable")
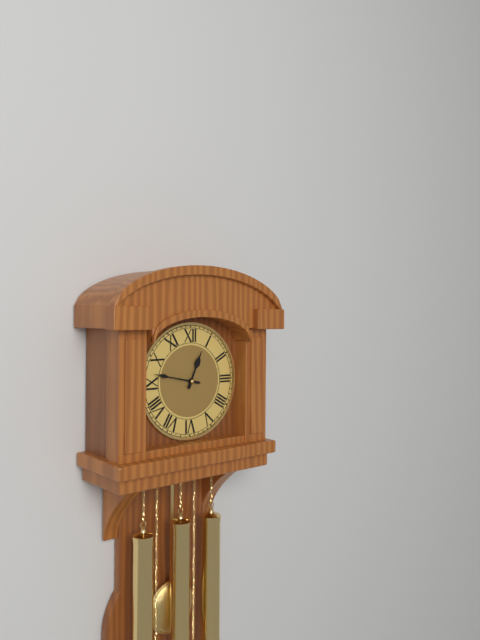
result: **12:47**
